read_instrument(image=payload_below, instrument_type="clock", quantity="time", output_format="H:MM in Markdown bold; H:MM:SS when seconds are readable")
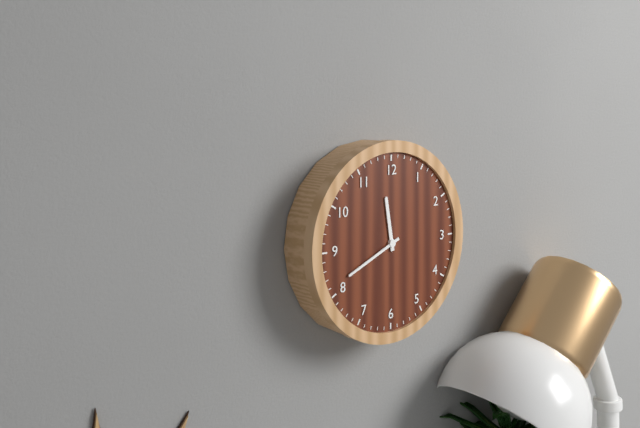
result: **11:41**
